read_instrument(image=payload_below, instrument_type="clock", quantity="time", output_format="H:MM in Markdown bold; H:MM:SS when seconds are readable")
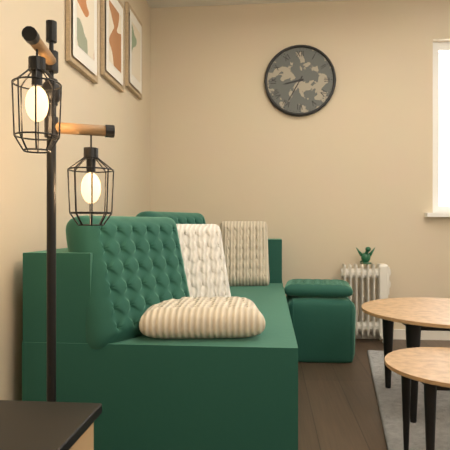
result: **8:35**
